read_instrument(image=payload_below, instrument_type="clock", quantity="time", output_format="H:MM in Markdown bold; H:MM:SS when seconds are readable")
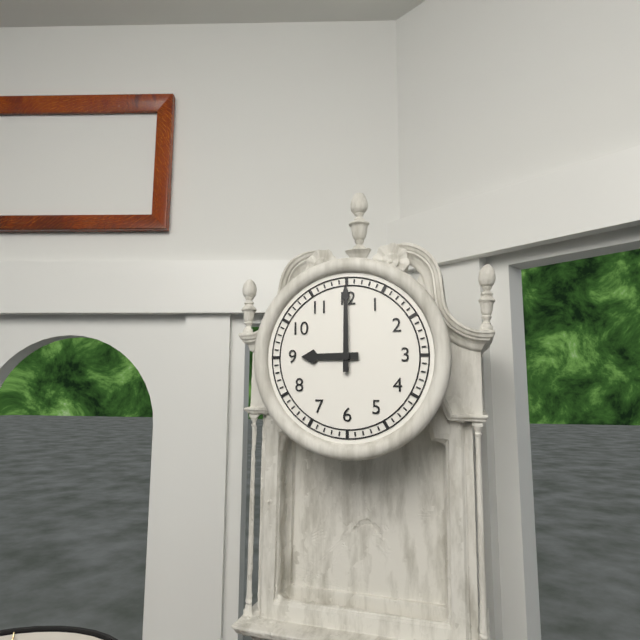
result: **9:00**
